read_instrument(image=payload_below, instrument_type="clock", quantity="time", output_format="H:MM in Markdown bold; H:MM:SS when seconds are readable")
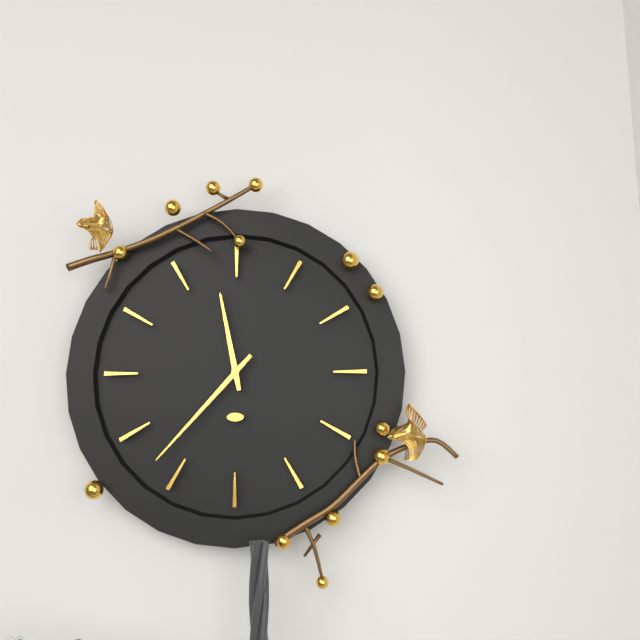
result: **11:37**
